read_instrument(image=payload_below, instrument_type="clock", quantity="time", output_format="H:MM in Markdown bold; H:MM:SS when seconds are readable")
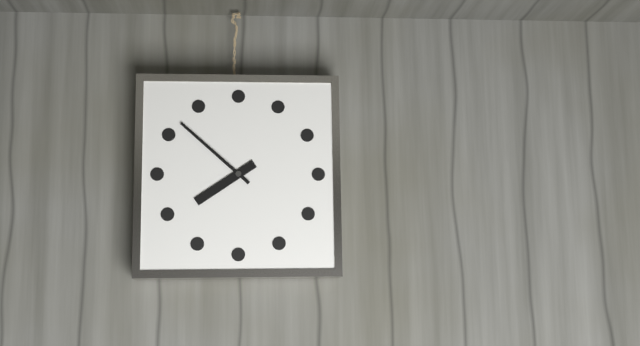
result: **7:52**
